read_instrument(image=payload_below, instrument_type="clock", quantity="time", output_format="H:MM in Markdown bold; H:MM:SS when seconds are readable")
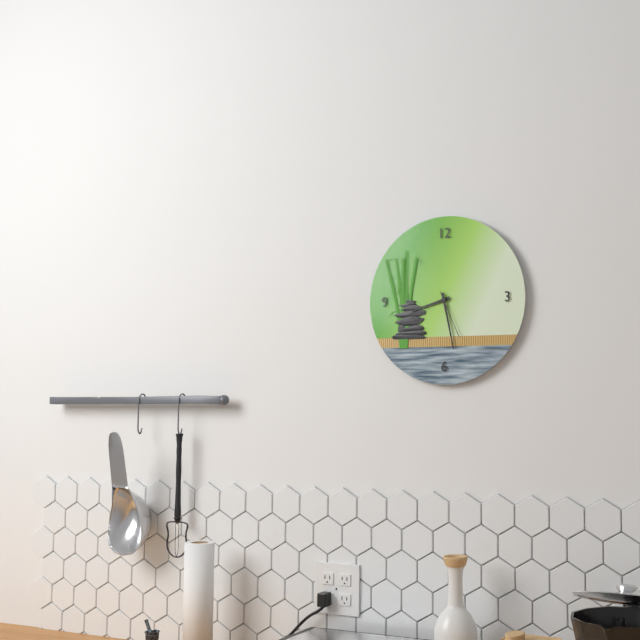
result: **8:28**
